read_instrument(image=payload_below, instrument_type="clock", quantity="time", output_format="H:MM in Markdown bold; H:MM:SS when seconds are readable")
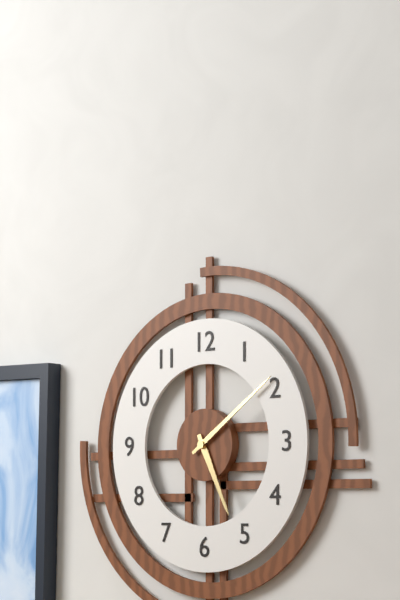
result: **5:09**
